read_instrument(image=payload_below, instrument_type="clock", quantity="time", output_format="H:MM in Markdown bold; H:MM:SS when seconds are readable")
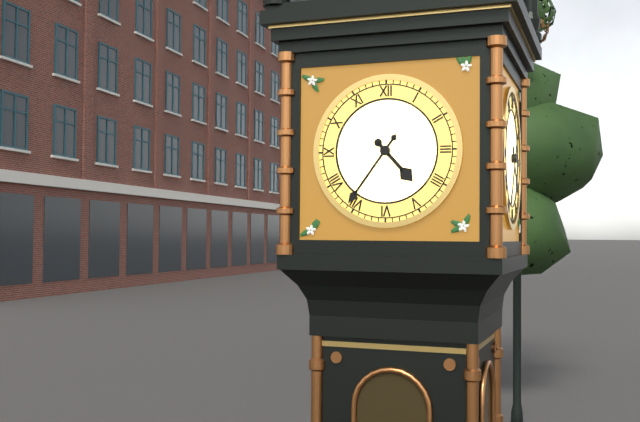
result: **4:36**
